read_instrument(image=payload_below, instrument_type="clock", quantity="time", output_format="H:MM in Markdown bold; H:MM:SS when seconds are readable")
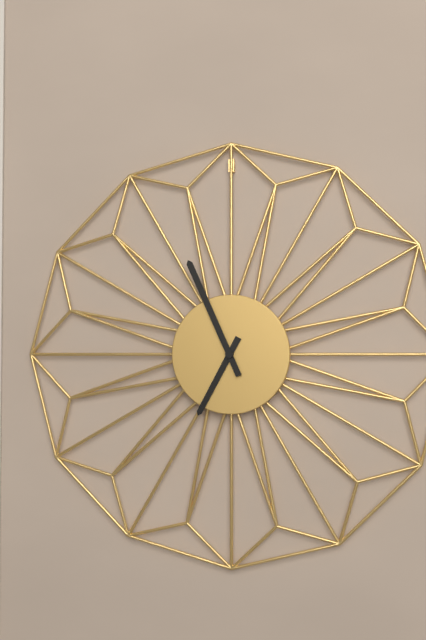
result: **6:56**
